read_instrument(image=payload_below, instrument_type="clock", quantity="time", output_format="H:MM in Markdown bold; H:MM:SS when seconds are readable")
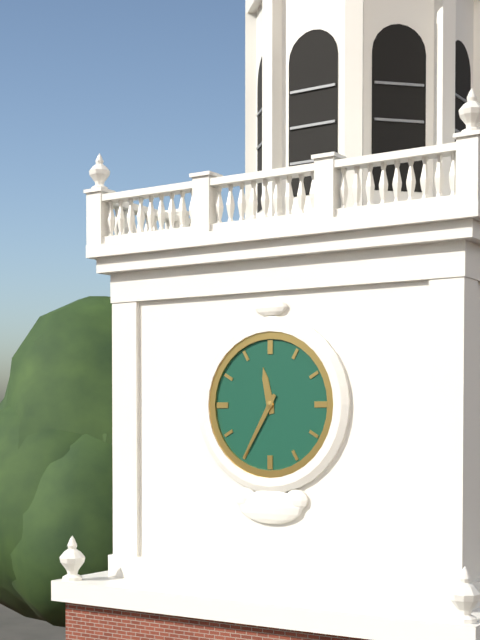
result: **11:35**
